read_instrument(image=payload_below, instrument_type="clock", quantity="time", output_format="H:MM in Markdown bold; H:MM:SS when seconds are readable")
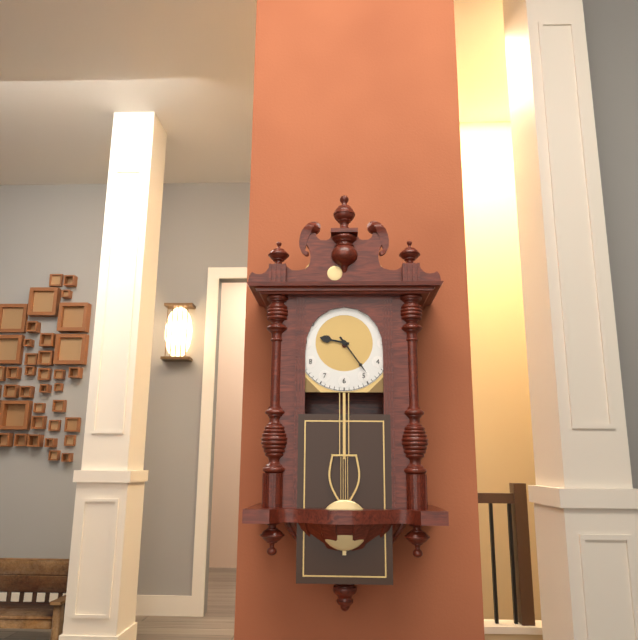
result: **9:24**
